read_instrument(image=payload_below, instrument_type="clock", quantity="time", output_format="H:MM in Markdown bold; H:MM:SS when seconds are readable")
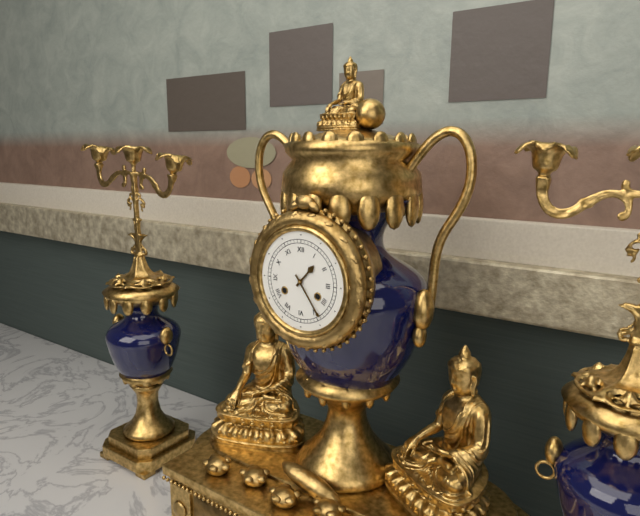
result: **1:24**
